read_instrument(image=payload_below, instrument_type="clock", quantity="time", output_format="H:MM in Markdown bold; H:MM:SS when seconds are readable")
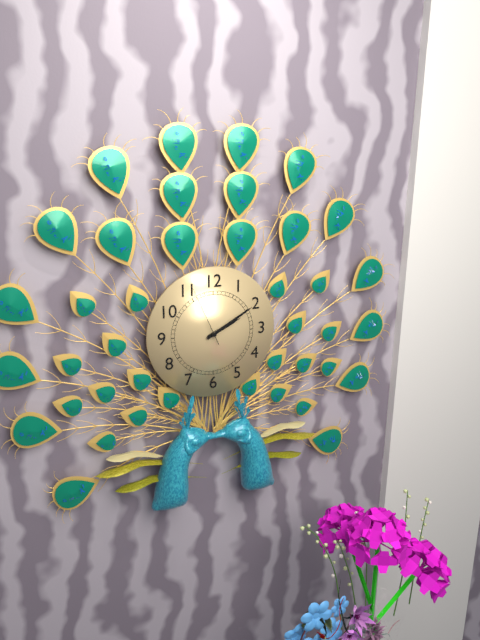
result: **2:10:56**
